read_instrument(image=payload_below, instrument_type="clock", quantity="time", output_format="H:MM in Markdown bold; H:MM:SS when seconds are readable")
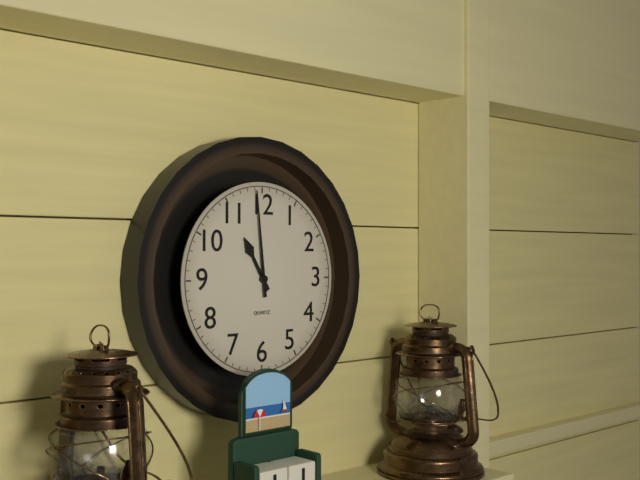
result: **10:59**
